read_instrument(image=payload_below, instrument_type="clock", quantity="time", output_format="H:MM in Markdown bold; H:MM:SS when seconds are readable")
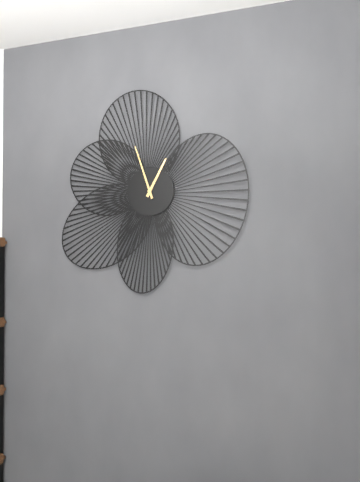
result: **12:57**
